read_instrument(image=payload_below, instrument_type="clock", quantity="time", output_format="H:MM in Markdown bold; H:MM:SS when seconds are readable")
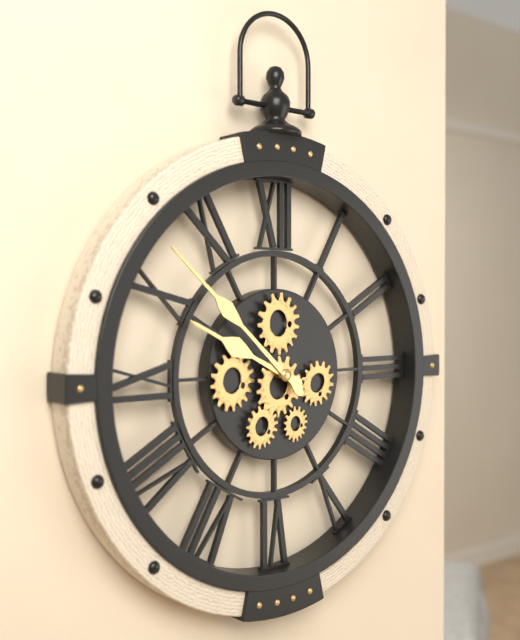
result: **9:52**
